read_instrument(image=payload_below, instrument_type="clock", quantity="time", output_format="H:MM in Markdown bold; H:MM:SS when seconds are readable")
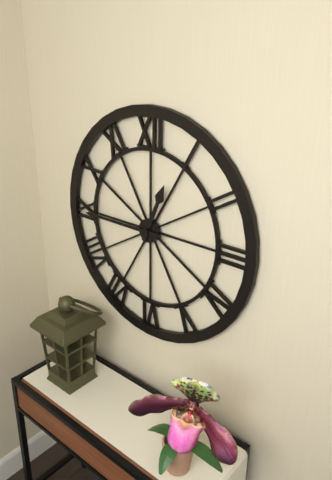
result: **12:45**
